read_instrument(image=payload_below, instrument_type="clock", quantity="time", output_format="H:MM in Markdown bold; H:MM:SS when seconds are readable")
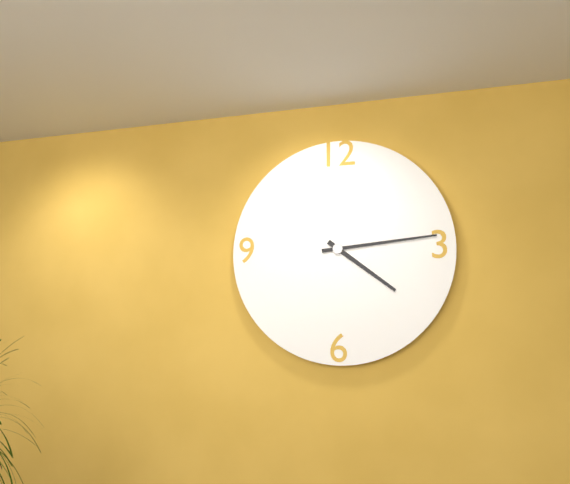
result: **4:14**
